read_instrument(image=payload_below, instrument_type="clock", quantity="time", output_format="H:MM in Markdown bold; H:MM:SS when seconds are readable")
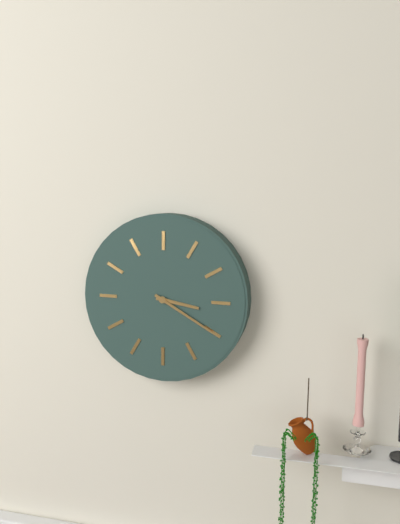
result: **3:20**
